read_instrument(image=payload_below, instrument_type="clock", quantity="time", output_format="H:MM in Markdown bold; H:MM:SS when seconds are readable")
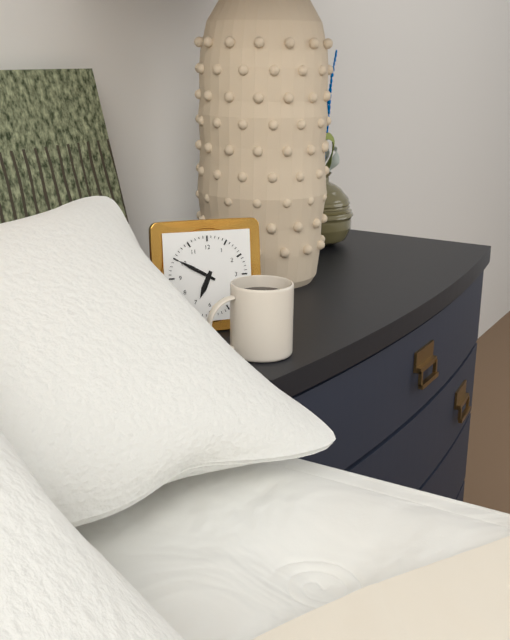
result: **6:50**
